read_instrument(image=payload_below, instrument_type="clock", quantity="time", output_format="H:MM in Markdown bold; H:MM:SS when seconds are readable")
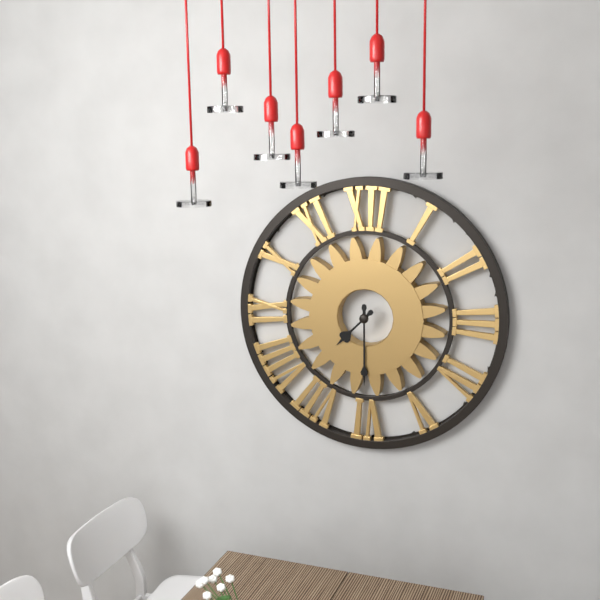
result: **7:30**
